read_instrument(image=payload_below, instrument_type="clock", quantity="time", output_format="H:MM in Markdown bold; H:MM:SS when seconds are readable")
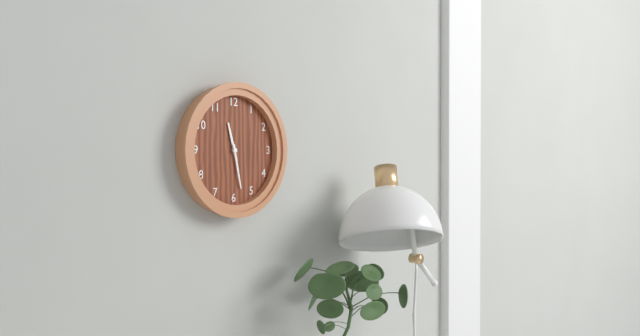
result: **11:28**
